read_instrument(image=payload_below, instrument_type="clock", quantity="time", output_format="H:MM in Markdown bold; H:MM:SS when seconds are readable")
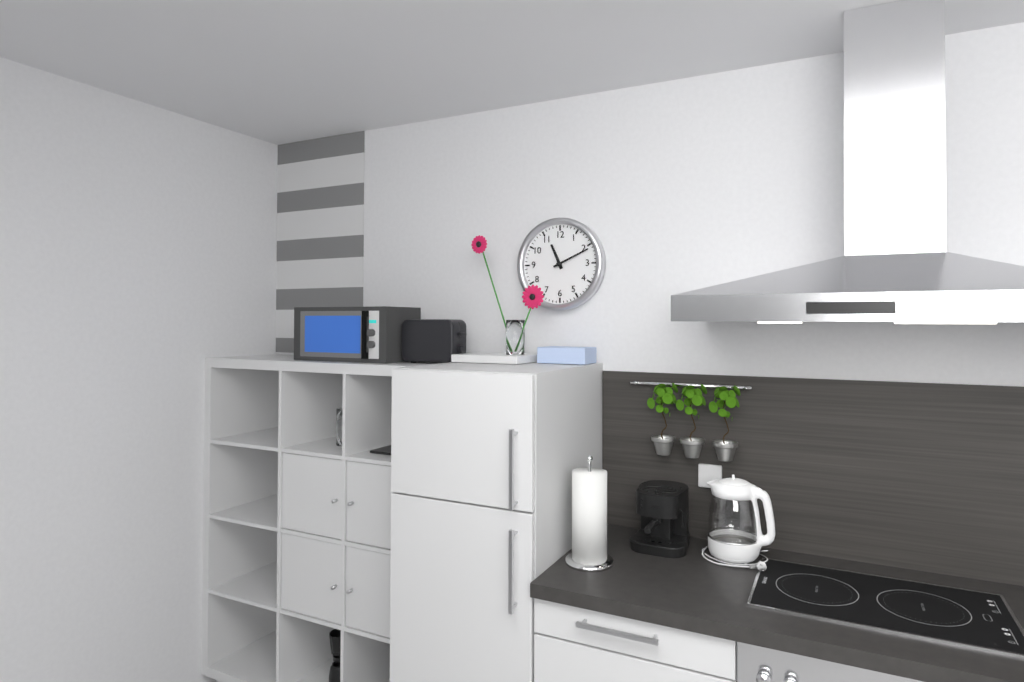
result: **11:11**
